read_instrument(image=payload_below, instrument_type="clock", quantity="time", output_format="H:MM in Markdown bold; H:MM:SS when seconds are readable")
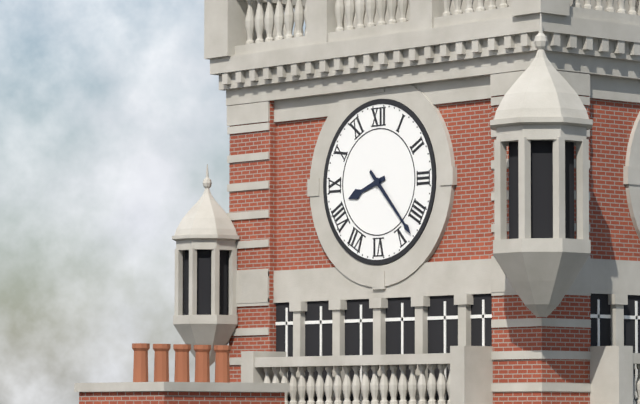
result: **8:23**
